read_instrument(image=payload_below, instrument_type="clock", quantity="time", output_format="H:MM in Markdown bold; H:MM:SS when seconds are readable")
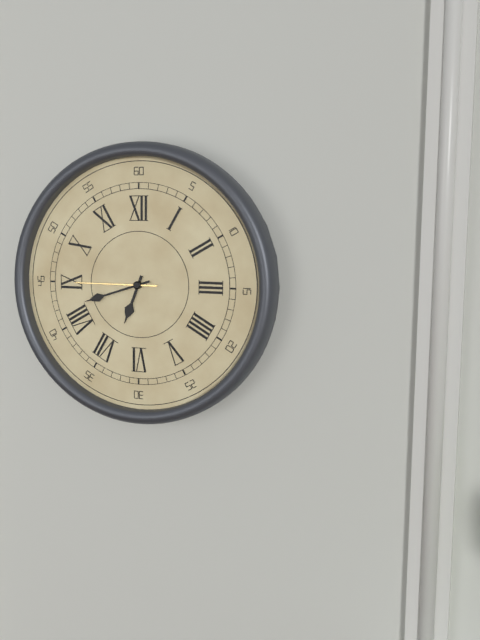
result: **6:42:45**
